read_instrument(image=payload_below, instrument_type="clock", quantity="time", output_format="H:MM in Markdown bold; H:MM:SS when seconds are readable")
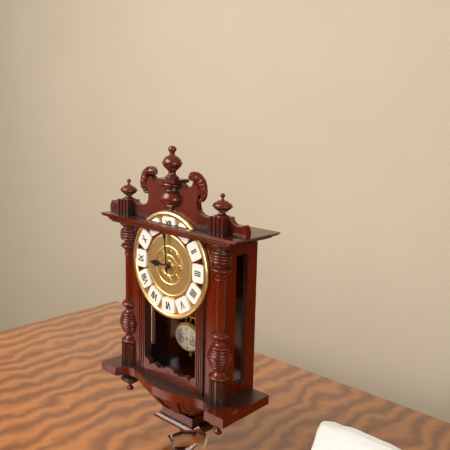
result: **8:59**
